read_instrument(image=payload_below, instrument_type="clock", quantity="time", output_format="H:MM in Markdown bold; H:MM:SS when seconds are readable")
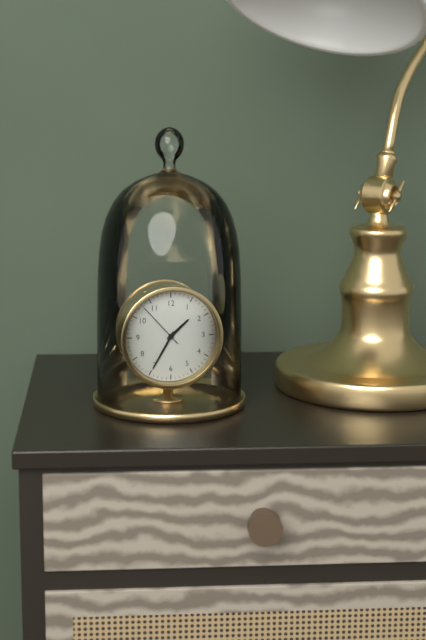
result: **1:35**
